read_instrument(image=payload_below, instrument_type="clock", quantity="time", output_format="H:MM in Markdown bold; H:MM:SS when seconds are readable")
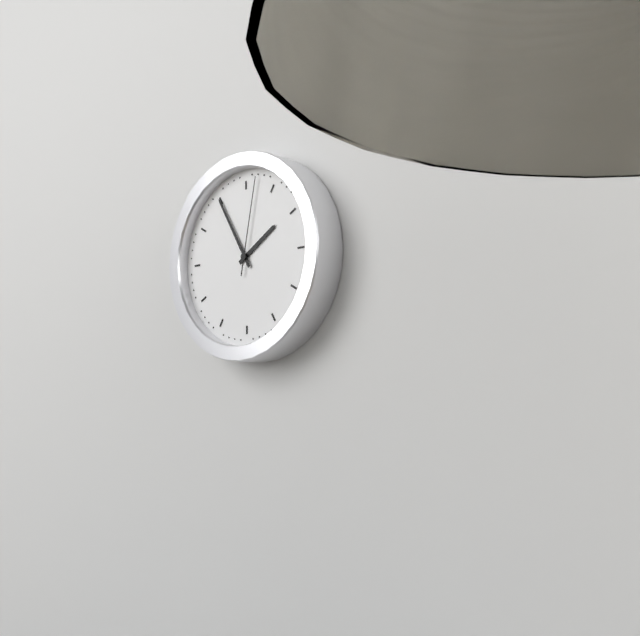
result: **1:55:02**
